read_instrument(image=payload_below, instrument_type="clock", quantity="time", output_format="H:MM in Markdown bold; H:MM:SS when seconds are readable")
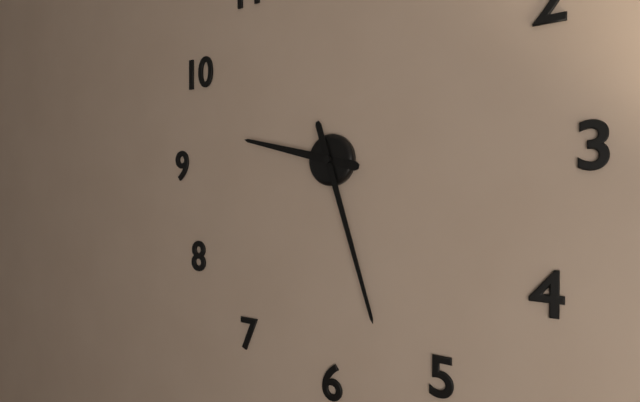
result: **9:27**
